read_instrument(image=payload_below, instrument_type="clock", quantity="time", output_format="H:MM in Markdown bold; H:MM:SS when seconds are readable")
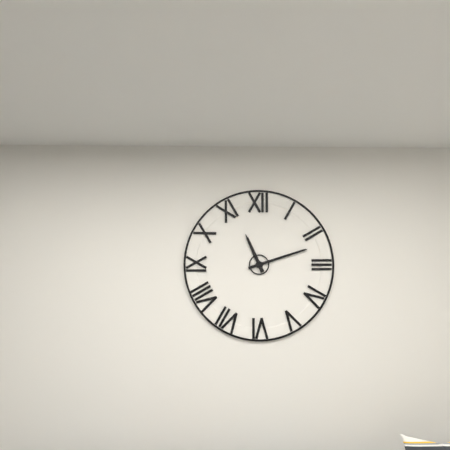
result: **11:12**
